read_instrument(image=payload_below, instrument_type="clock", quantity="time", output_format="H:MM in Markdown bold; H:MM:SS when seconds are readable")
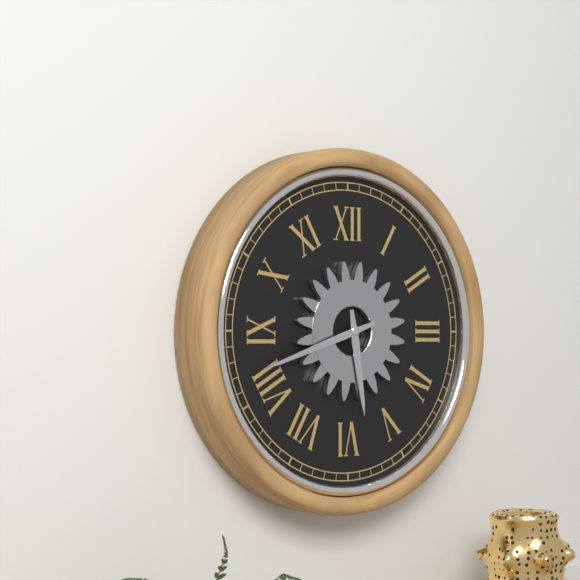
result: **5:42**
